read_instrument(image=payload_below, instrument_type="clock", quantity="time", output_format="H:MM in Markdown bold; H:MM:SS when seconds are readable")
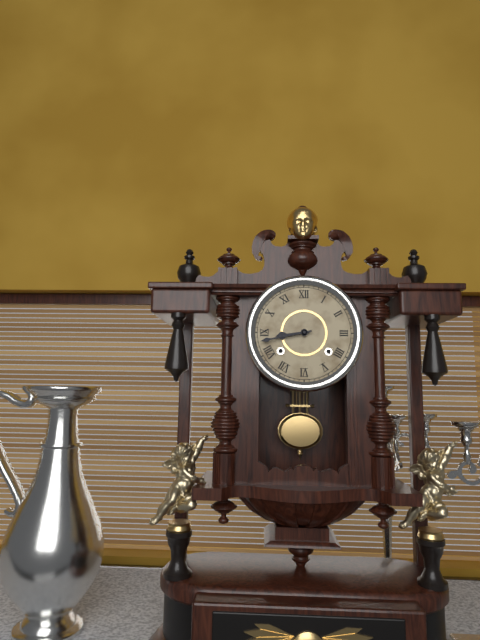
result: **8:43**
